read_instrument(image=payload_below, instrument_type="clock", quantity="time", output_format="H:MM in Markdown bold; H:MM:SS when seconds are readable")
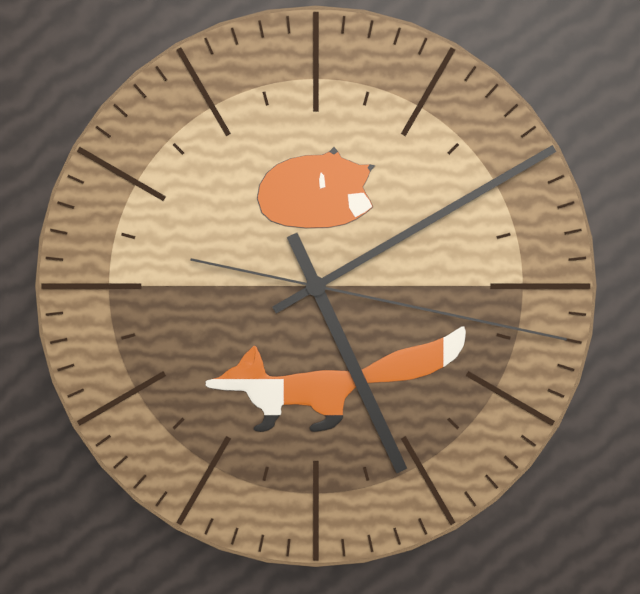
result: **5:10:17**
